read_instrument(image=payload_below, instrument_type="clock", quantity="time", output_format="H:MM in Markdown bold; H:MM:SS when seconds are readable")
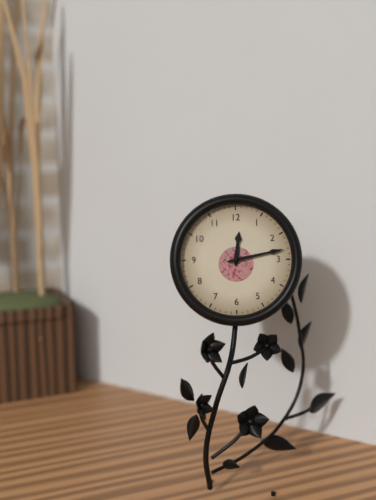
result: **12:13**
